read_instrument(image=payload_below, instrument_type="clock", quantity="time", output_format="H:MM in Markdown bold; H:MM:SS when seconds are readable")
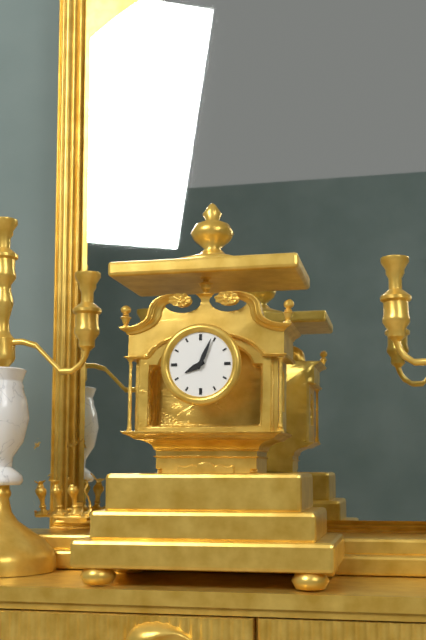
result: **8:04**
